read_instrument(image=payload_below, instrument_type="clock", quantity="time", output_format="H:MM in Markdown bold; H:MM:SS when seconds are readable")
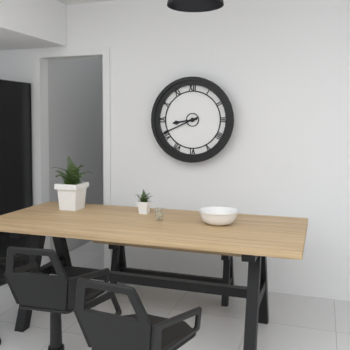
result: **8:41**
